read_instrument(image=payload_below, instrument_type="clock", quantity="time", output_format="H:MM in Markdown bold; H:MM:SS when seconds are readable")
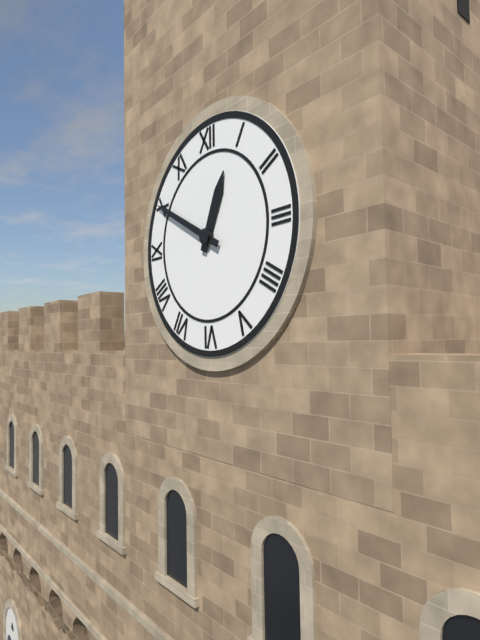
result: **12:50**
